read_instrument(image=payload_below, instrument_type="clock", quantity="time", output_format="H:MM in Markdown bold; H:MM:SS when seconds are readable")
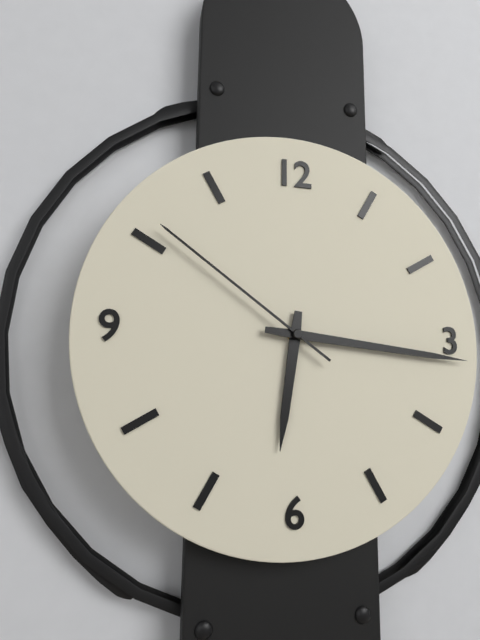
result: **6:16:51**
